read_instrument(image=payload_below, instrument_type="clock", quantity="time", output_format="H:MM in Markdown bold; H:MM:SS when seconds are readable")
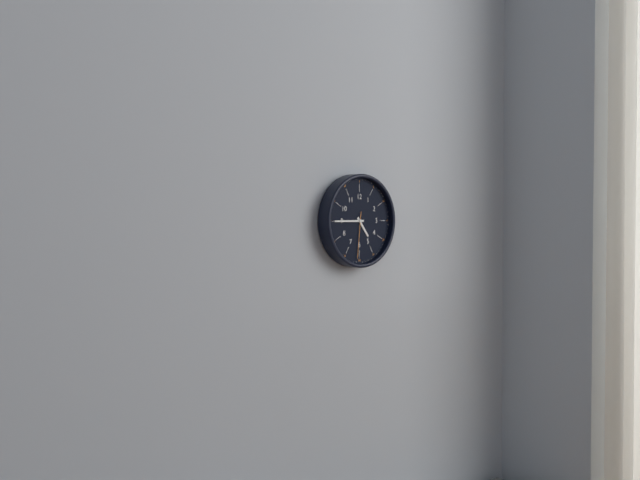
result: **4:45**
